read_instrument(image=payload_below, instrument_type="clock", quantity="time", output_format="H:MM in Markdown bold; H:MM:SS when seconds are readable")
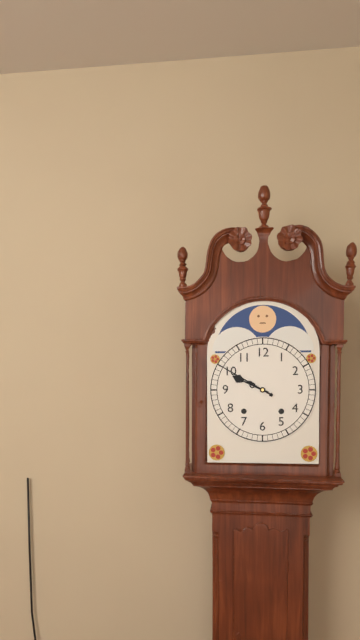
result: **9:50**
